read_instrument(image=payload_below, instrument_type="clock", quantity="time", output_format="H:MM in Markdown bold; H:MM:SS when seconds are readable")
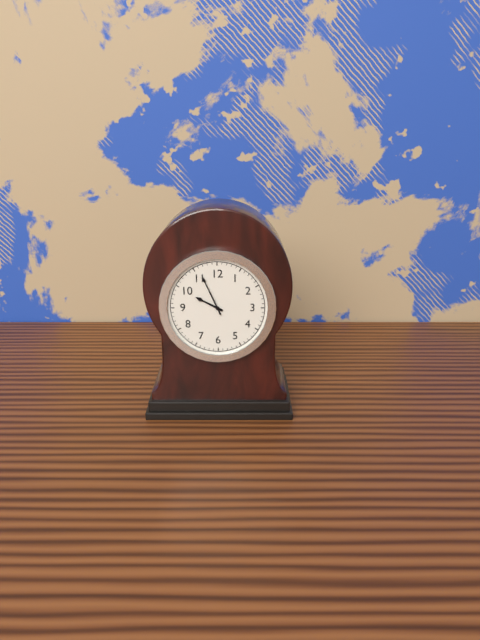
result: **9:56**
